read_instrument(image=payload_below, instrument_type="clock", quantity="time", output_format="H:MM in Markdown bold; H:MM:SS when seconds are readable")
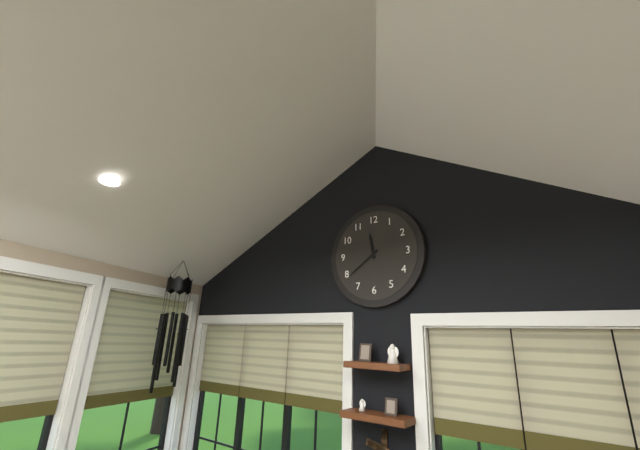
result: **11:39**
